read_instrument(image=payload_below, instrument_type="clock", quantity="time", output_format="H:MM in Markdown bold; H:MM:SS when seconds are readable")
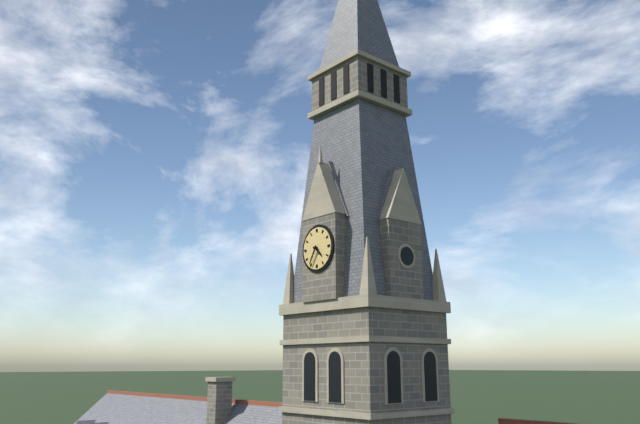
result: **4:35**
